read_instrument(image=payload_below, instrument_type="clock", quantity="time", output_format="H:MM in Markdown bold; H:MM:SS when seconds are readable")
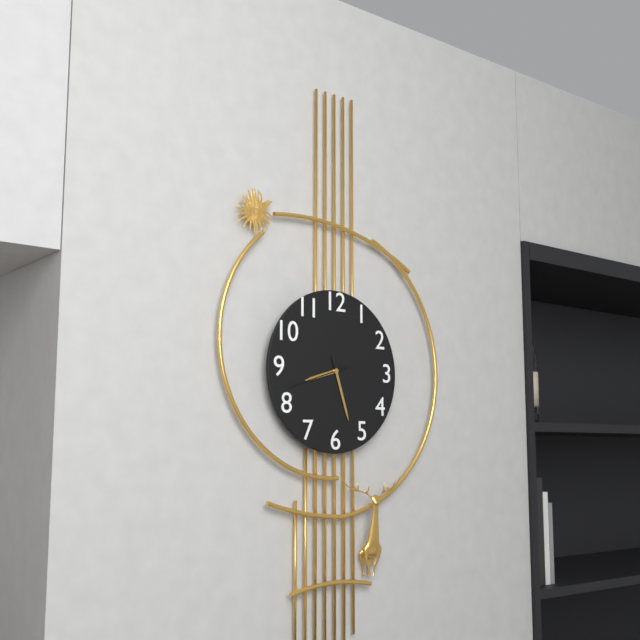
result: **8:27:42**
